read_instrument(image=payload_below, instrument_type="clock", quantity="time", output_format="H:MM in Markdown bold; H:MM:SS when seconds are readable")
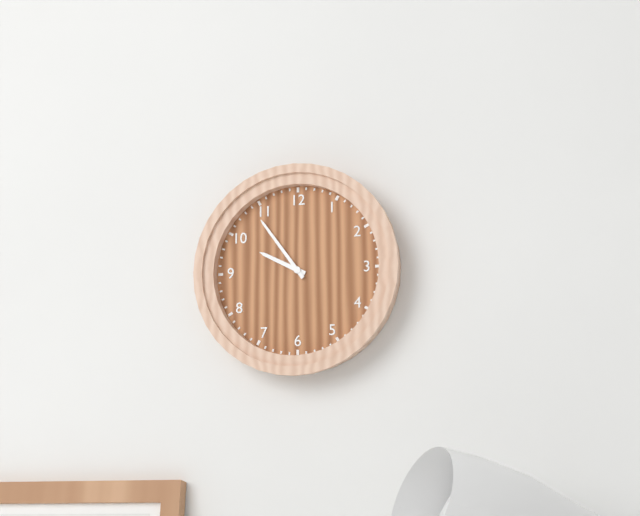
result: **9:54**
